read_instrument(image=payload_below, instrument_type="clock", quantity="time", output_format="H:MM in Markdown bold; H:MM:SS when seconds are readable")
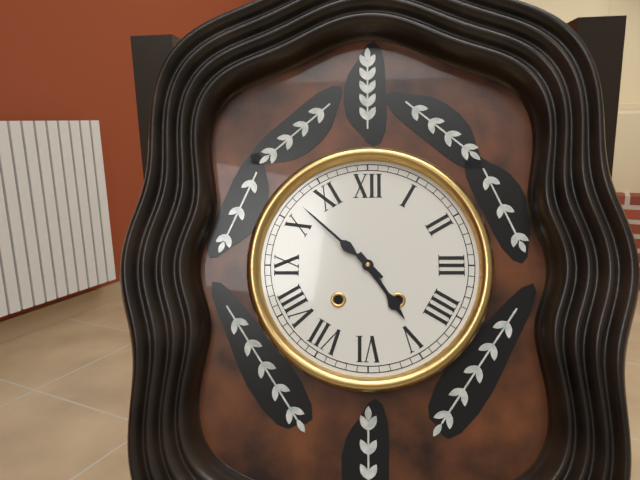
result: **4:52**
